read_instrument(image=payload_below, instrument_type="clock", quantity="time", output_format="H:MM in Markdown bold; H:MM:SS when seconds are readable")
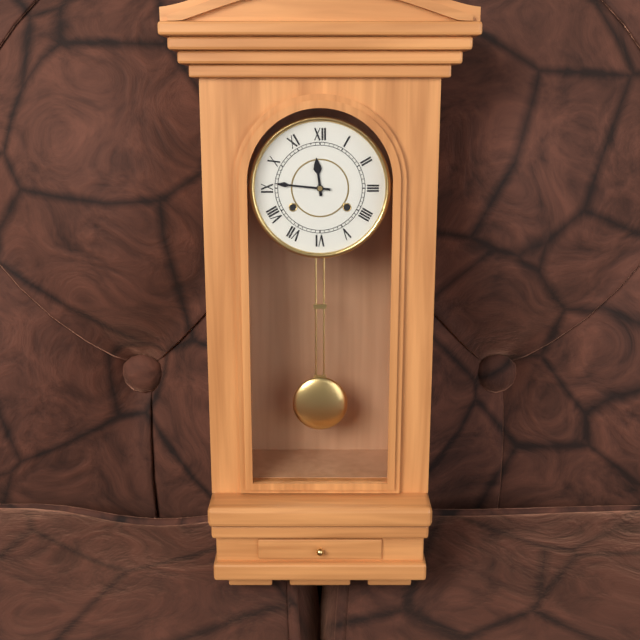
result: **11:46**
